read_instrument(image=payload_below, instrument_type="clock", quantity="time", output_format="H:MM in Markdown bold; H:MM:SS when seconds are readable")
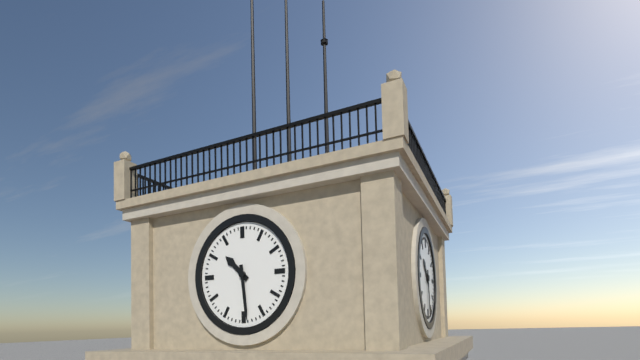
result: **10:29**
